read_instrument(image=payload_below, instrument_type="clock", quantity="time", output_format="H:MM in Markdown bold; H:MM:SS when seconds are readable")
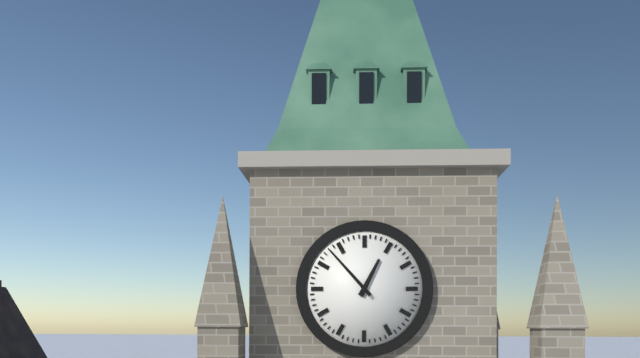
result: **12:53**
